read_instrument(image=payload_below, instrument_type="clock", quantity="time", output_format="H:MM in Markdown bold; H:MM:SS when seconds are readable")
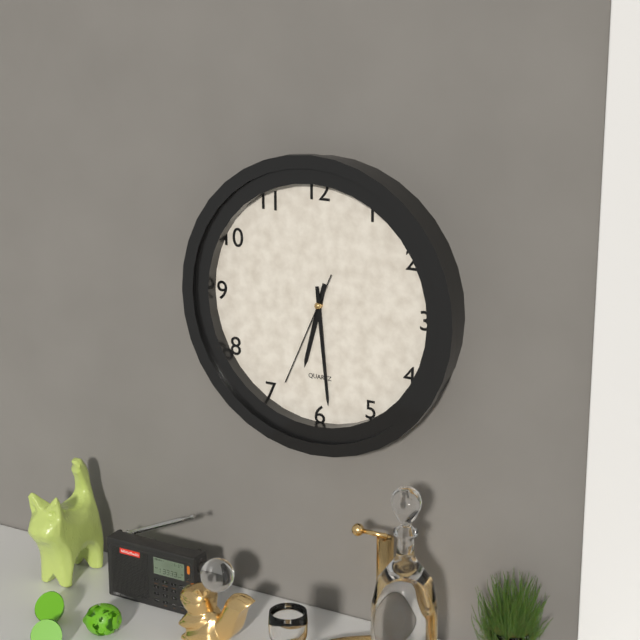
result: **6:29:34**
